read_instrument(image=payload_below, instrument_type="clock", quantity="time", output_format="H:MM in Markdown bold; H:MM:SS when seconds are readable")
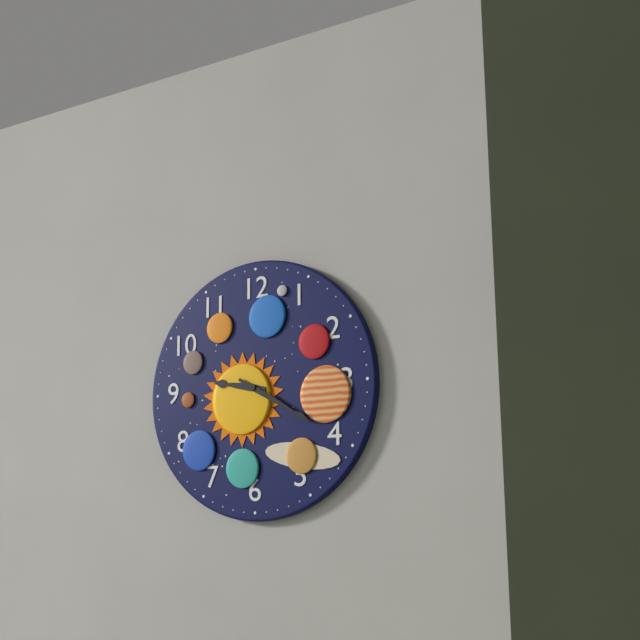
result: **9:20**
